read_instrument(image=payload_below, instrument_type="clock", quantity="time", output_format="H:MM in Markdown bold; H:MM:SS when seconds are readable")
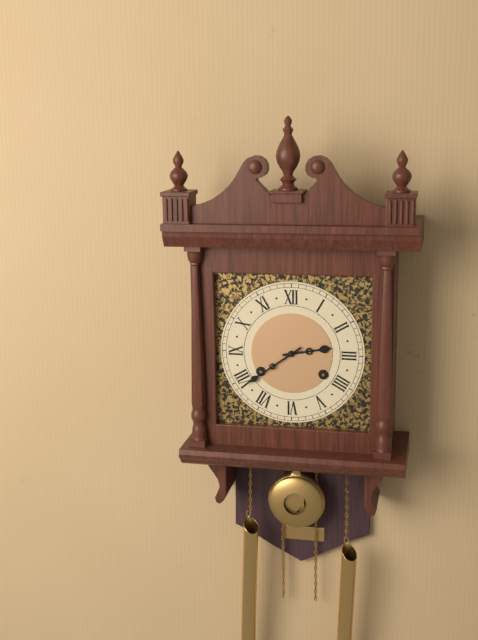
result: **2:39**
